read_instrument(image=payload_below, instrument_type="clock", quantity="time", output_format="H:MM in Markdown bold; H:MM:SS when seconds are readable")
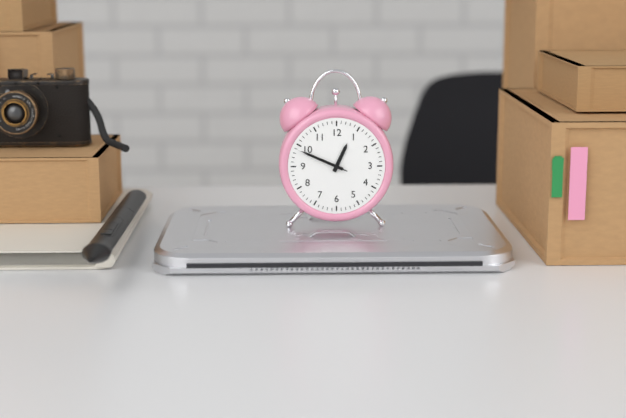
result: **12:49:49**
